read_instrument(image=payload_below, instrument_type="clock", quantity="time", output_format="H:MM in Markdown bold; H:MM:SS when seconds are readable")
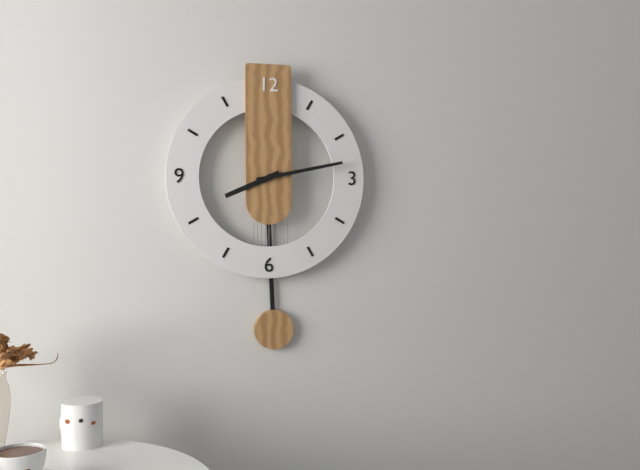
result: **8:13**
